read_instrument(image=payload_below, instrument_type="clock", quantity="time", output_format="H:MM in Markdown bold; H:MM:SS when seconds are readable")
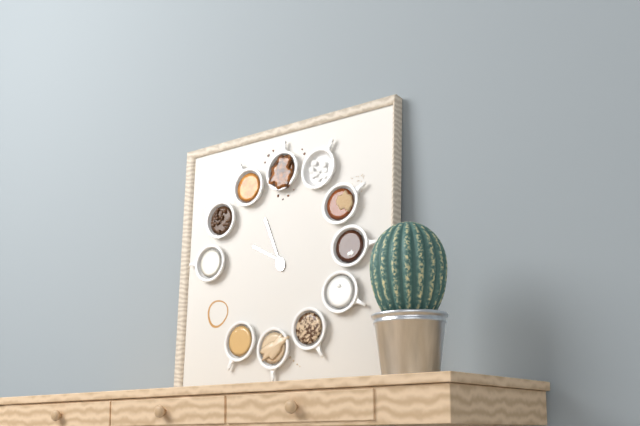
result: **9:56**
